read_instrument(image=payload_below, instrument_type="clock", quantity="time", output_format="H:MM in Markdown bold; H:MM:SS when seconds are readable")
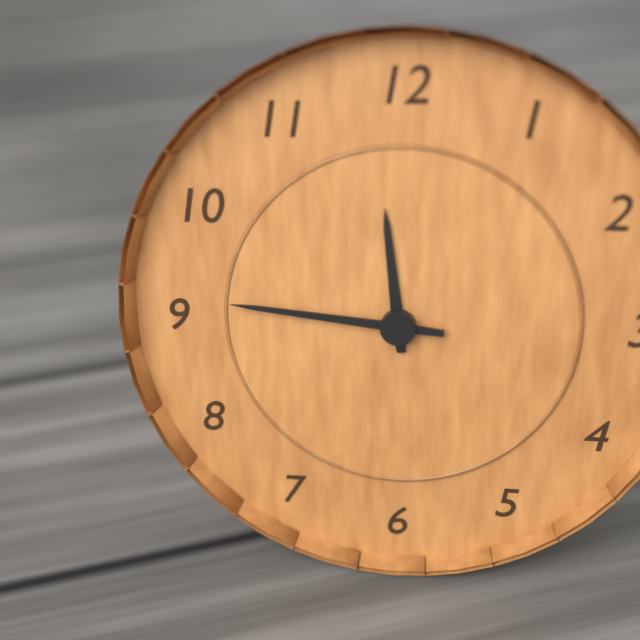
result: **11:46**
